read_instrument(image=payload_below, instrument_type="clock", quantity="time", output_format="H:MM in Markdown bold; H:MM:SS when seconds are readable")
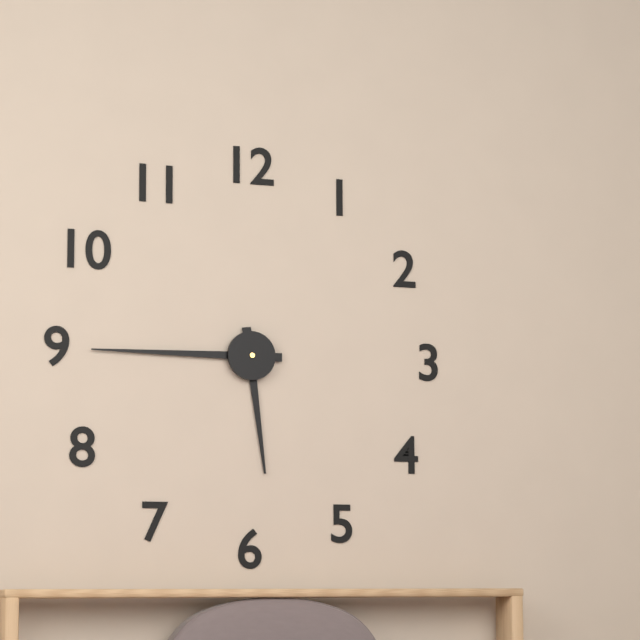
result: **5:45**
